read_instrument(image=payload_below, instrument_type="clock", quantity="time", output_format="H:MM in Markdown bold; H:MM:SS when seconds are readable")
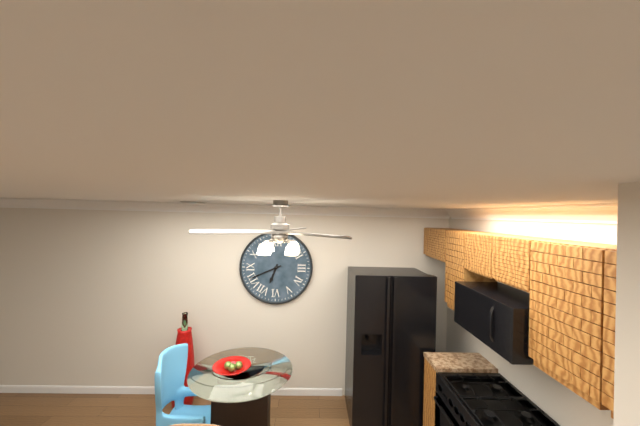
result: **6:41**
